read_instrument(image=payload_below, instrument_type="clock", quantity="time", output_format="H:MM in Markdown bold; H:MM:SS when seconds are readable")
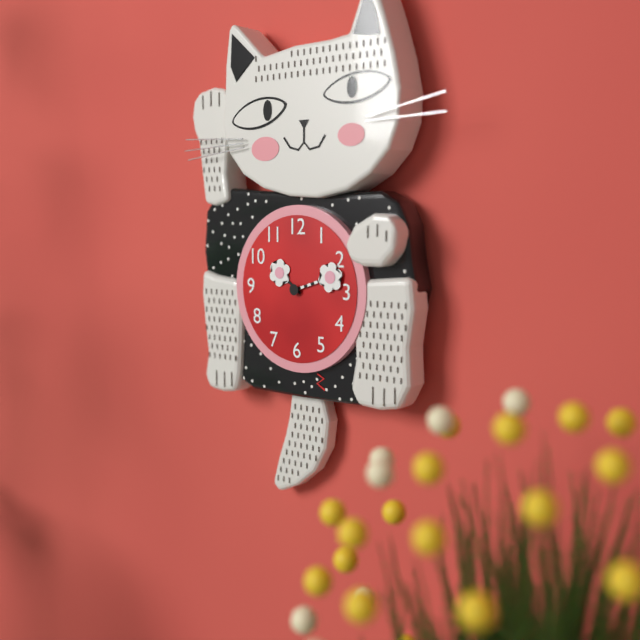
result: **10:12**
